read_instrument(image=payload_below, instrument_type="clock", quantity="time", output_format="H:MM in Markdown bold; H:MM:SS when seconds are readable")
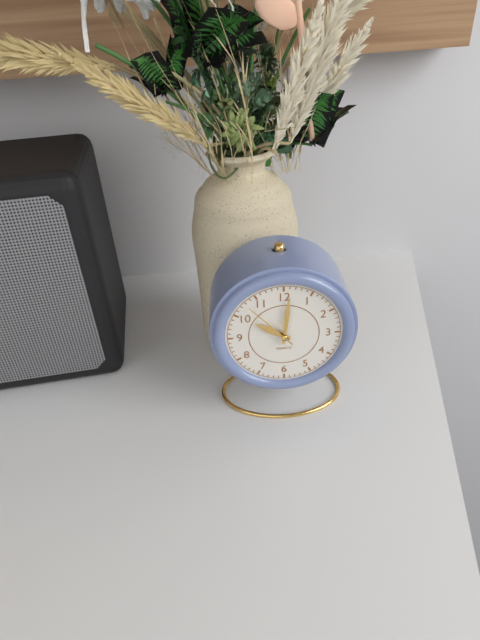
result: **10:01:53**
